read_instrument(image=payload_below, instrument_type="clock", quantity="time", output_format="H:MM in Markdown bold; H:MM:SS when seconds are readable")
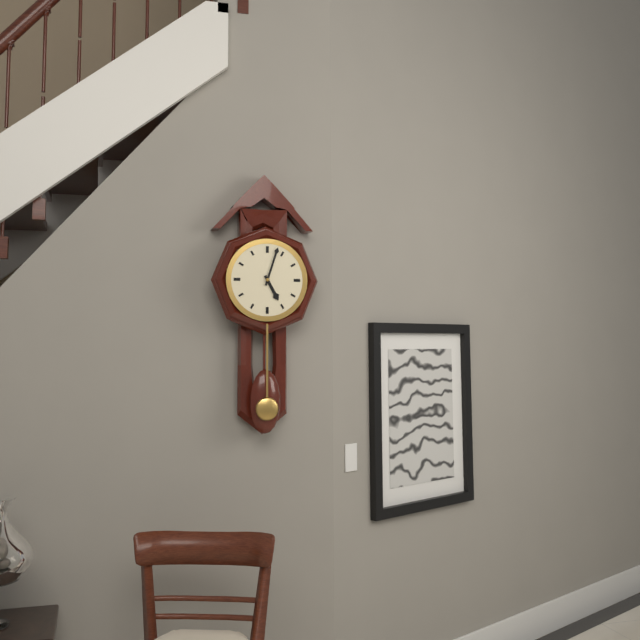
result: **5:03**
